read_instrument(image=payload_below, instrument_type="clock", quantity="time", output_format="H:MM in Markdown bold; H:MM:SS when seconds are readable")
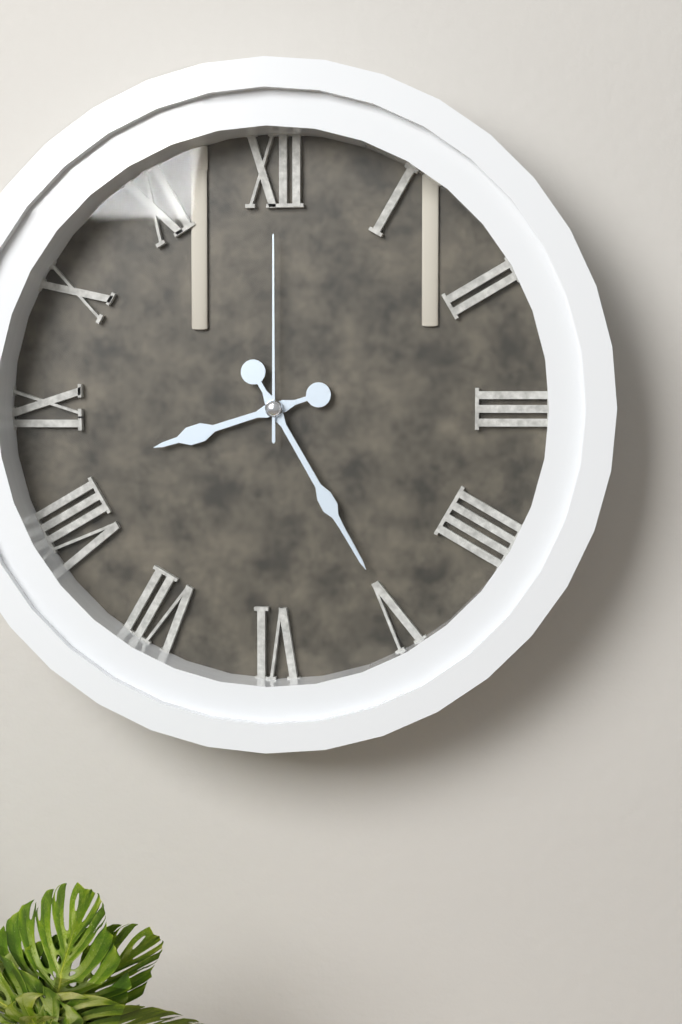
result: **8:25:00**
